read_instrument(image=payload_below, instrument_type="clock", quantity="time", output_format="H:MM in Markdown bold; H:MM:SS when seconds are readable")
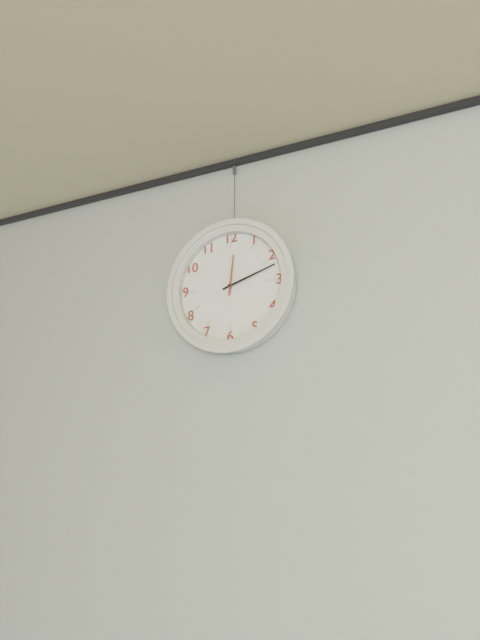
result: **12:12**
